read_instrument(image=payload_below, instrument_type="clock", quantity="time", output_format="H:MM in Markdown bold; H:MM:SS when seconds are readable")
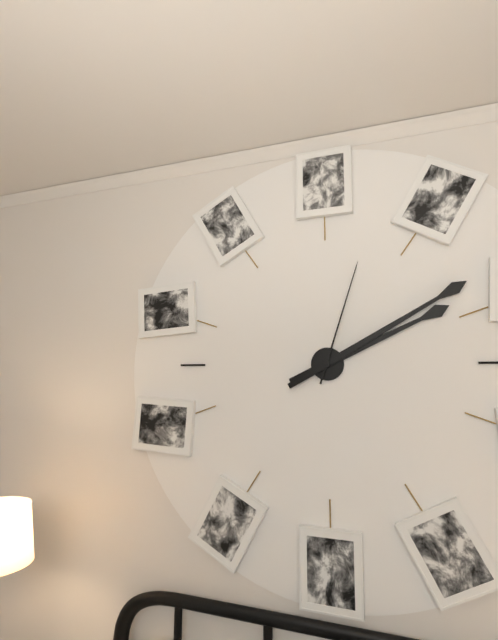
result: **2:10:03**
